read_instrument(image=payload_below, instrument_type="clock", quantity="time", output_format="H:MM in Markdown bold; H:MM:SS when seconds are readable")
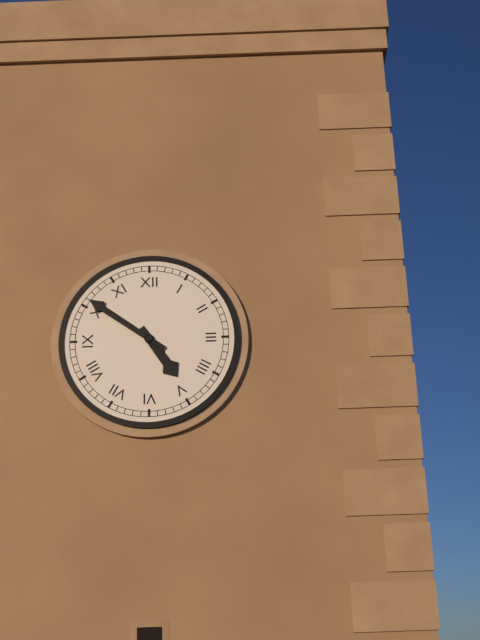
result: **4:51**
